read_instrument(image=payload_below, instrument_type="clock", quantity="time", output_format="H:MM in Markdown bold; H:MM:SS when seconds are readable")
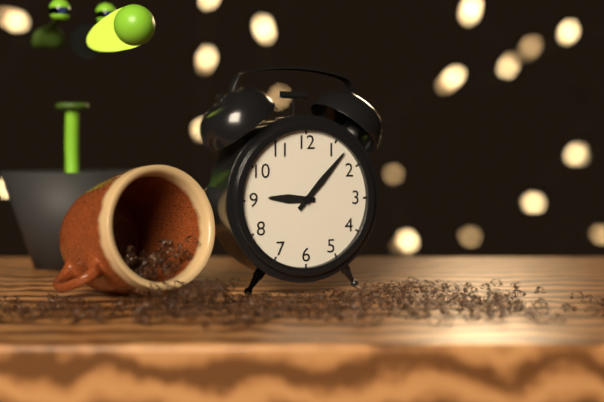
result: **9:07**
